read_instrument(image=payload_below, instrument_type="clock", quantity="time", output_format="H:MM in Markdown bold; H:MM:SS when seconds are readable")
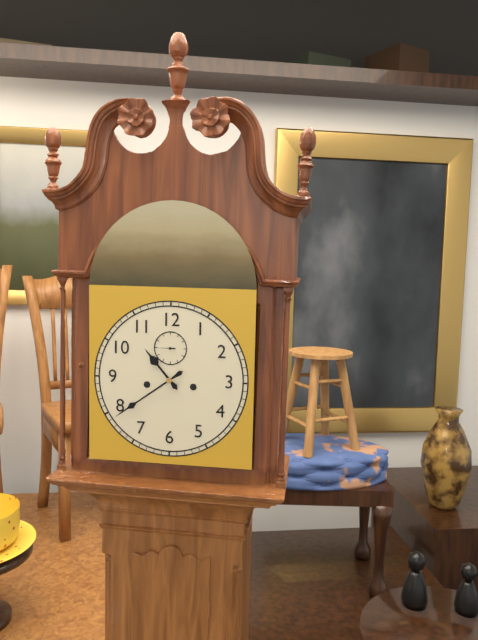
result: **10:39**
